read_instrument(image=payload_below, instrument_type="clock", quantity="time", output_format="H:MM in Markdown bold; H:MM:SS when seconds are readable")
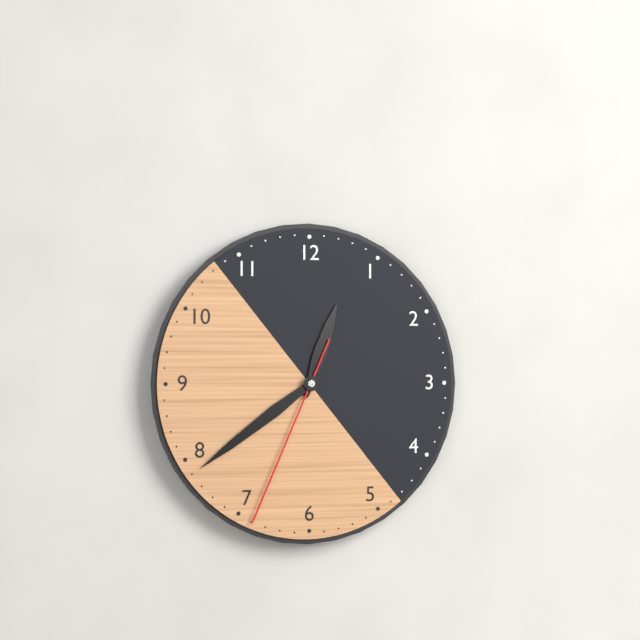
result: **12:39:34**
